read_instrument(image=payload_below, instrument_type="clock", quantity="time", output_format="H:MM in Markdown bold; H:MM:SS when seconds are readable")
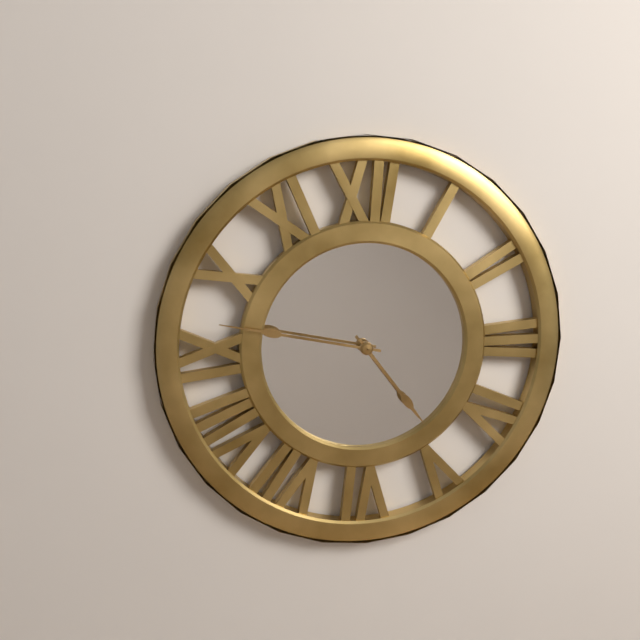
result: **4:47**
